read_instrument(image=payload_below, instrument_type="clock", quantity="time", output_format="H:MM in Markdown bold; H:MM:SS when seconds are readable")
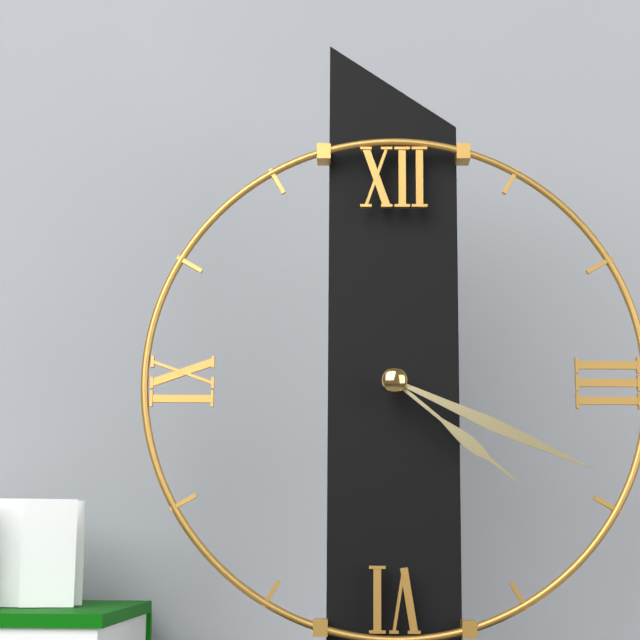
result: **4:19**
